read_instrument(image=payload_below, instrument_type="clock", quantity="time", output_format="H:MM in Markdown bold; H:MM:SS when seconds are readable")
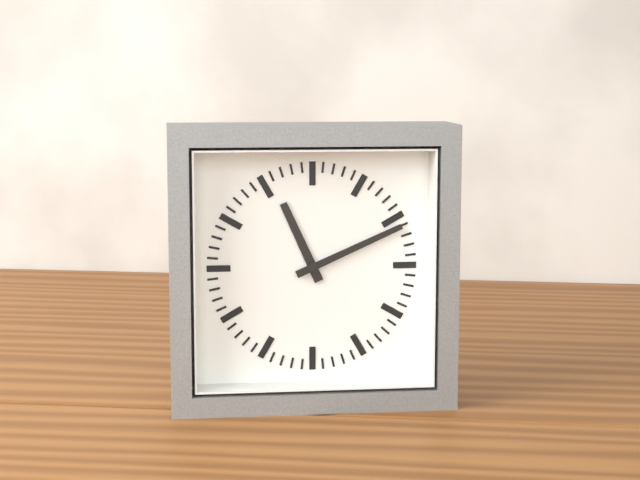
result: **11:11**
